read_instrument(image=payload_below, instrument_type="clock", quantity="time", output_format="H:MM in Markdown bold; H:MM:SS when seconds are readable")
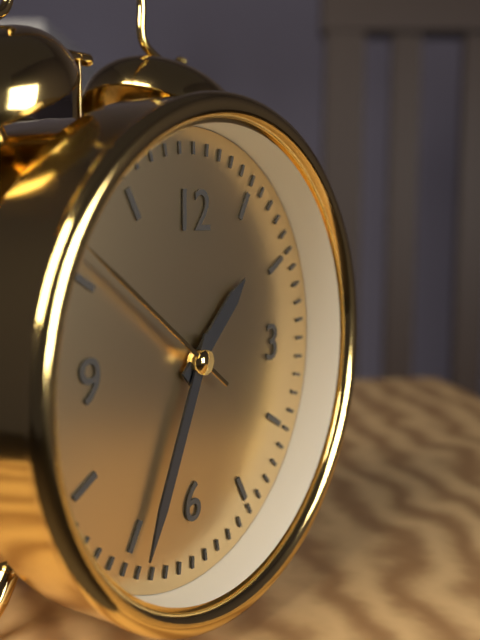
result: **1:34:51**
